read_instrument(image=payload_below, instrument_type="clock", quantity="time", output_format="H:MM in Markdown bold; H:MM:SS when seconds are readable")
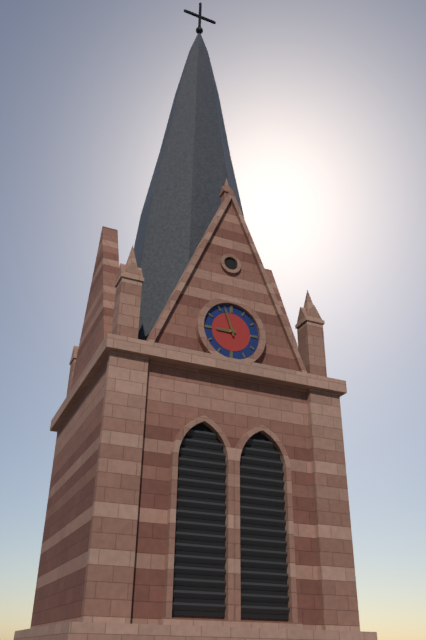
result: **8:57**
